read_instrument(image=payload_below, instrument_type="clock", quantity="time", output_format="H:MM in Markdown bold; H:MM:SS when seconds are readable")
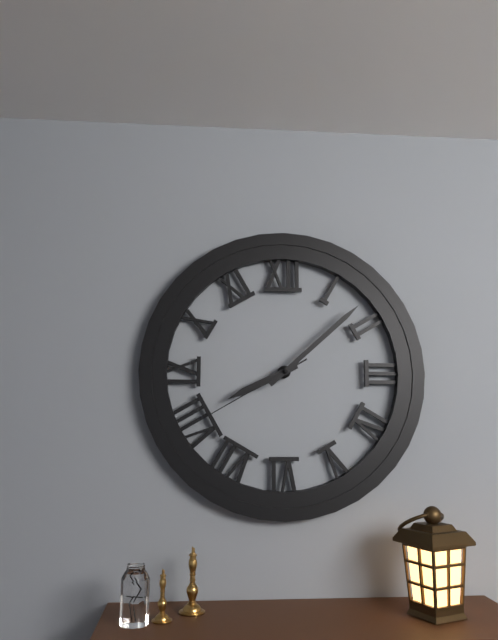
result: **8:08:40**
